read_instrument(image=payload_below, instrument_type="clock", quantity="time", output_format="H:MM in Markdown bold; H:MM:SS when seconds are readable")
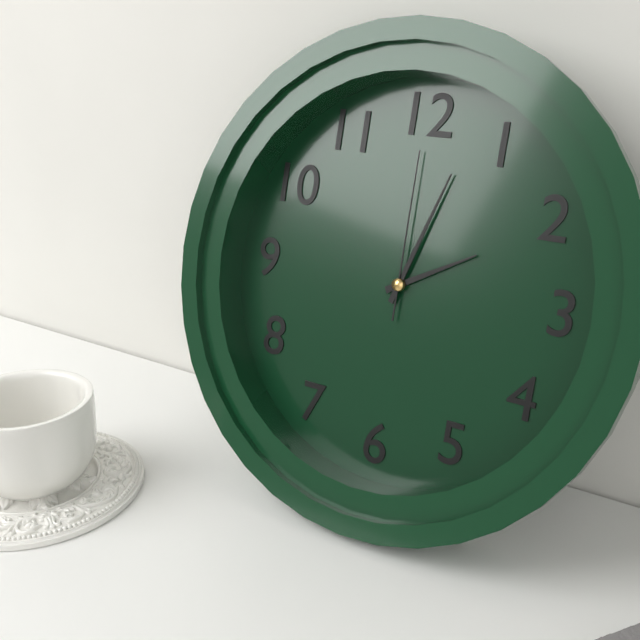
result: **2:03:00**
